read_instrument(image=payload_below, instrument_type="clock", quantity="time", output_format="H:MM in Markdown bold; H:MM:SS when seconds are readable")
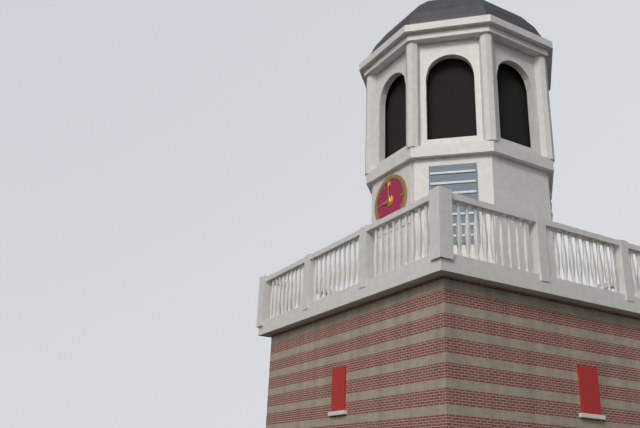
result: **8:59**
